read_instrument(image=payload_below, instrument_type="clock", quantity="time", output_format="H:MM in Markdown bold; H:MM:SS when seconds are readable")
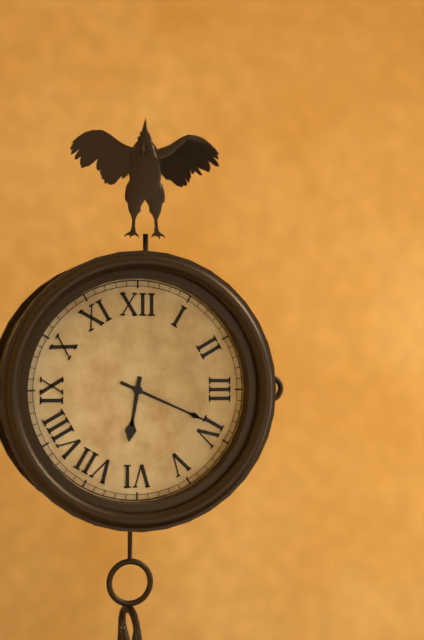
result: **6:19**
